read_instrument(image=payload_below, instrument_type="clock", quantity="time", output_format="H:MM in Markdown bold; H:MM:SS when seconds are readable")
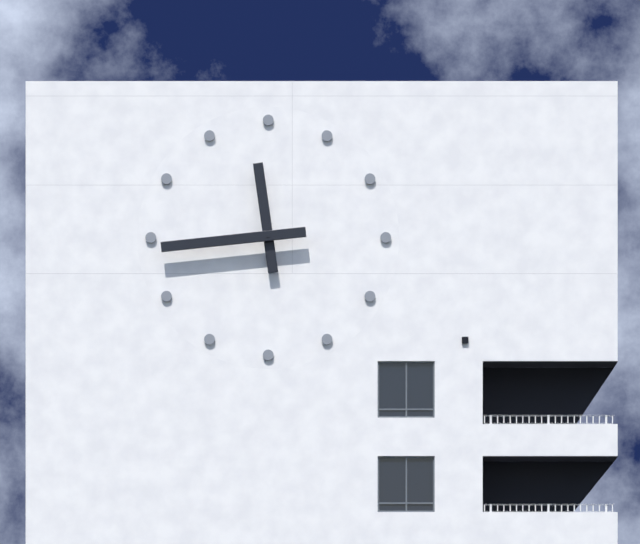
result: **11:44**
